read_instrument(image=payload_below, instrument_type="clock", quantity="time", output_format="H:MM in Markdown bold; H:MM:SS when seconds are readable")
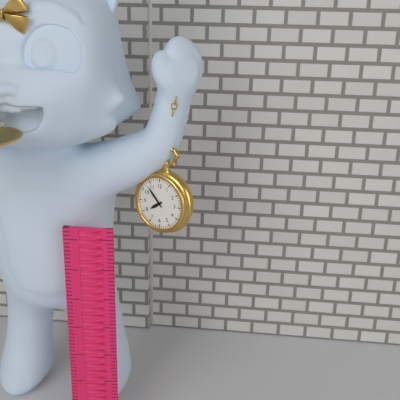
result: **7:53**
